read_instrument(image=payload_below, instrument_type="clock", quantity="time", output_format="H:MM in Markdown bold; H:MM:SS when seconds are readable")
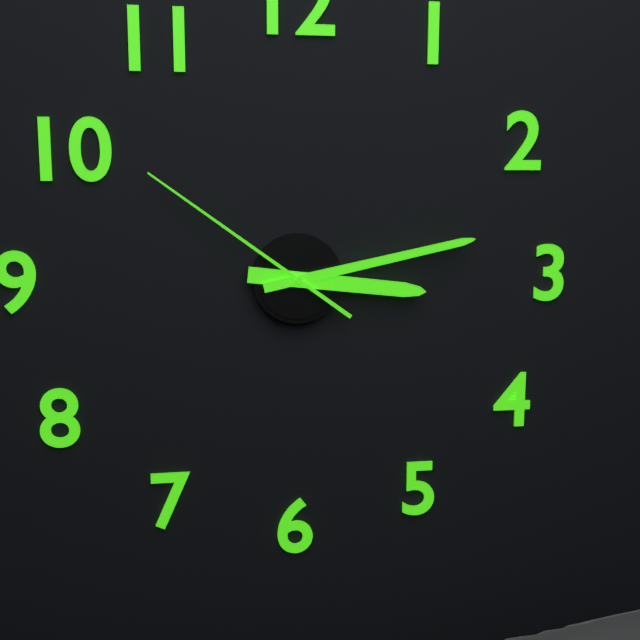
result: **3:13:51**
